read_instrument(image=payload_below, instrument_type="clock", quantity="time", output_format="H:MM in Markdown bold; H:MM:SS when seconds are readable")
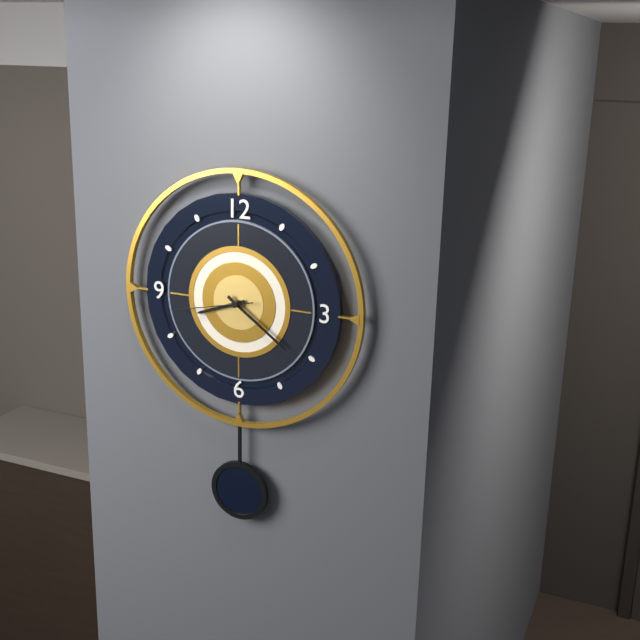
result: **8:21:43**
